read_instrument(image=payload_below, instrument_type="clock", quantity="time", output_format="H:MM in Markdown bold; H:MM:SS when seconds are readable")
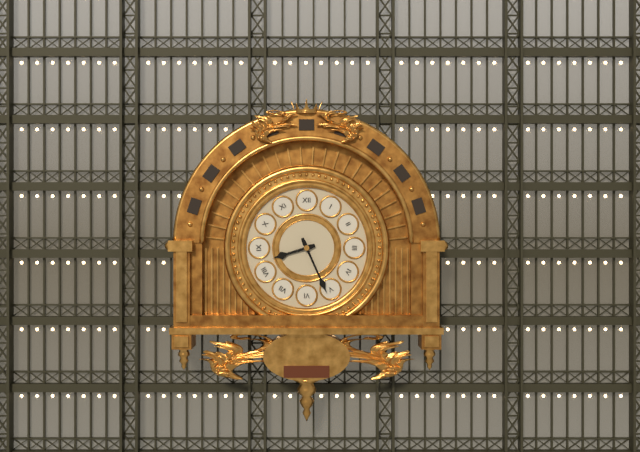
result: **8:26**
